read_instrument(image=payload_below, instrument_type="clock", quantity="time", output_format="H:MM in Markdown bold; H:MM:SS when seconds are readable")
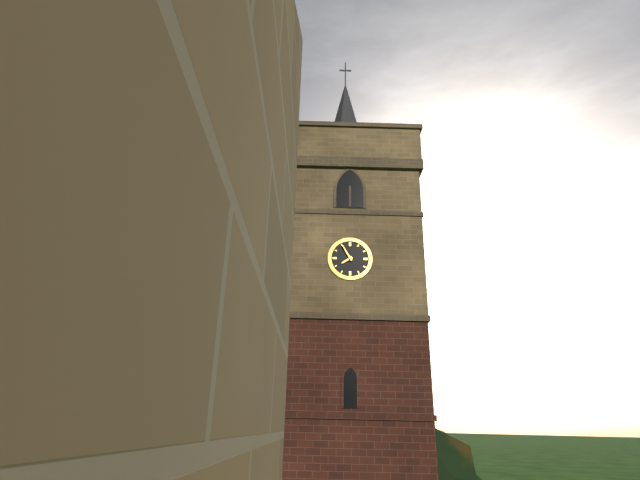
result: **7:55**
